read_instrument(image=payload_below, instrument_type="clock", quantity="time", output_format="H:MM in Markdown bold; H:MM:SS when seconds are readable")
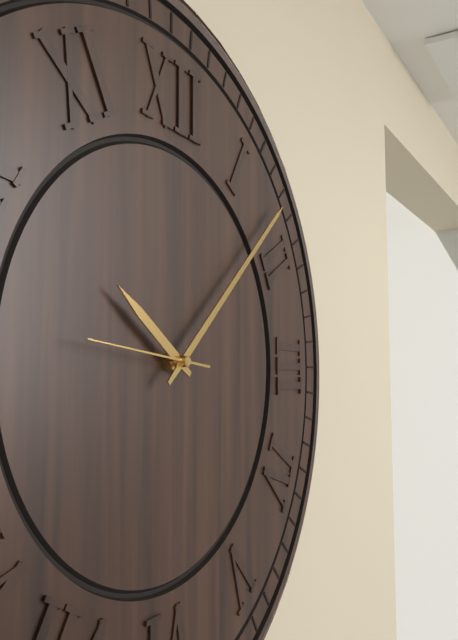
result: **10:08:46**
